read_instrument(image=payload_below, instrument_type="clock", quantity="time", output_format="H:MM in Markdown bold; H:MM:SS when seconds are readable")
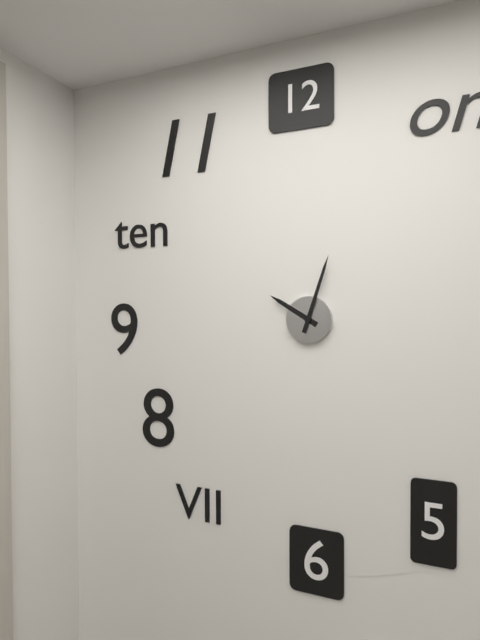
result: **10:03**
